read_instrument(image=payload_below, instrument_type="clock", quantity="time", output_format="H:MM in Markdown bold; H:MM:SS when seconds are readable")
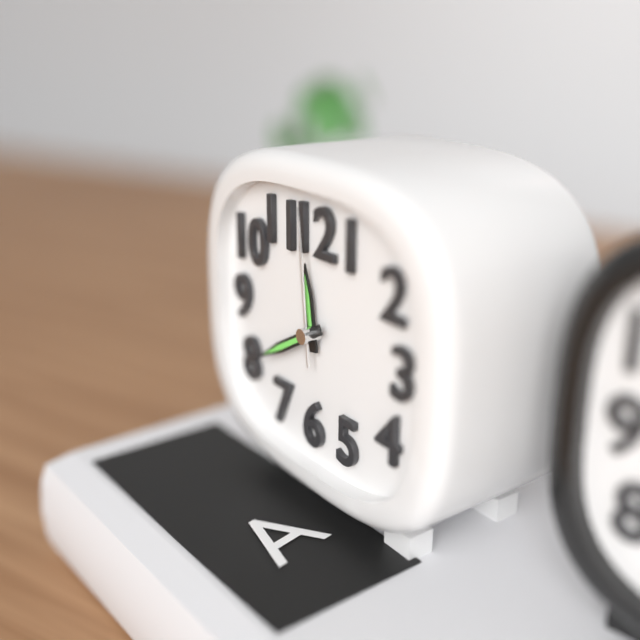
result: **11:40:59**
